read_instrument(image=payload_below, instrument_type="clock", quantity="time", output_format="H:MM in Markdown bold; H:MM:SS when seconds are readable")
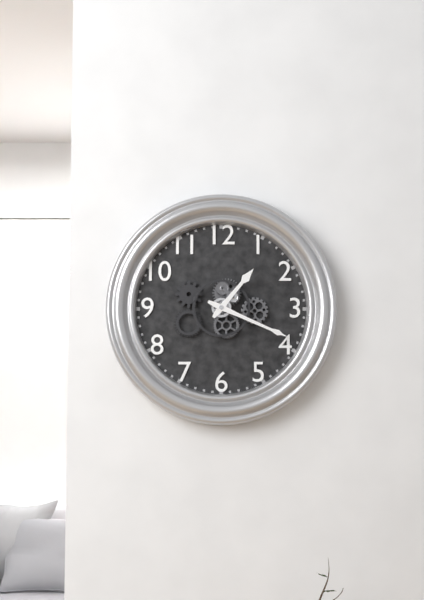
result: **1:19**
